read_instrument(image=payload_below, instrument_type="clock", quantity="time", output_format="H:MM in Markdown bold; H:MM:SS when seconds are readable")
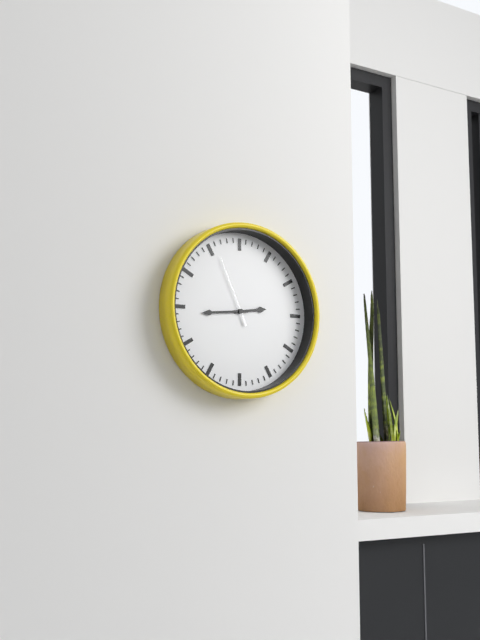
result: **2:44:56**
